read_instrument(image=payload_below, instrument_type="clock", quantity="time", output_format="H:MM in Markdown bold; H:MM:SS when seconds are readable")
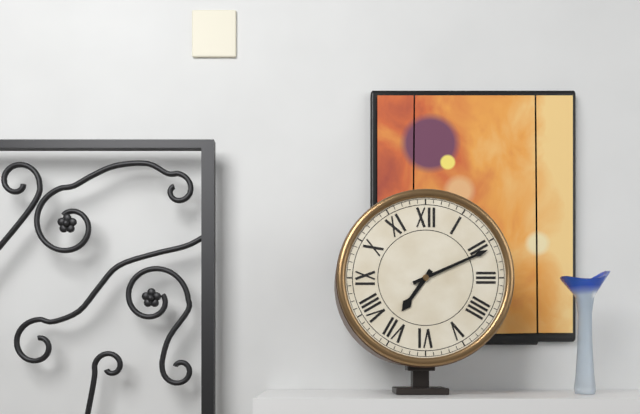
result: **7:11**
